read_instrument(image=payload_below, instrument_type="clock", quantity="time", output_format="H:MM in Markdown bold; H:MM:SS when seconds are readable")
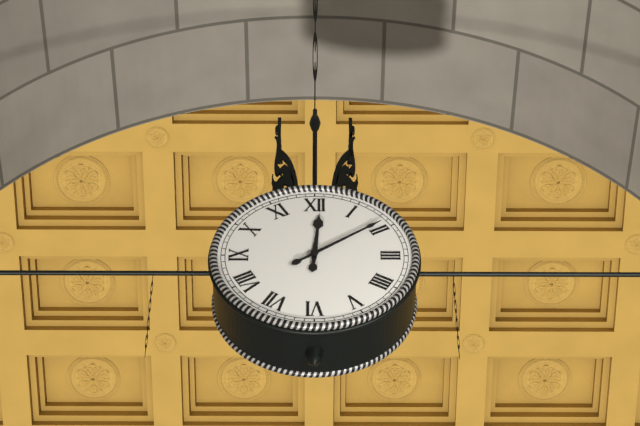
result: **12:09**
